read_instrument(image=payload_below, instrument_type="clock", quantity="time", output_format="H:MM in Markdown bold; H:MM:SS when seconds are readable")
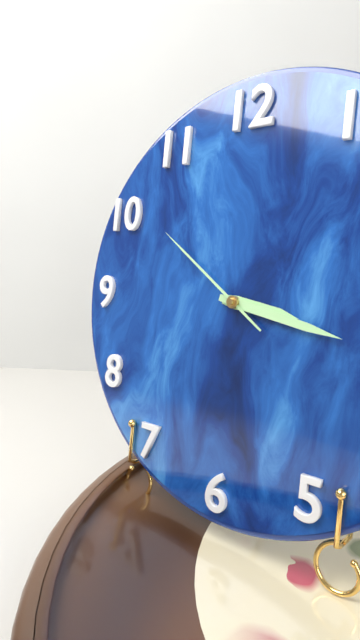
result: **3:17:51**
